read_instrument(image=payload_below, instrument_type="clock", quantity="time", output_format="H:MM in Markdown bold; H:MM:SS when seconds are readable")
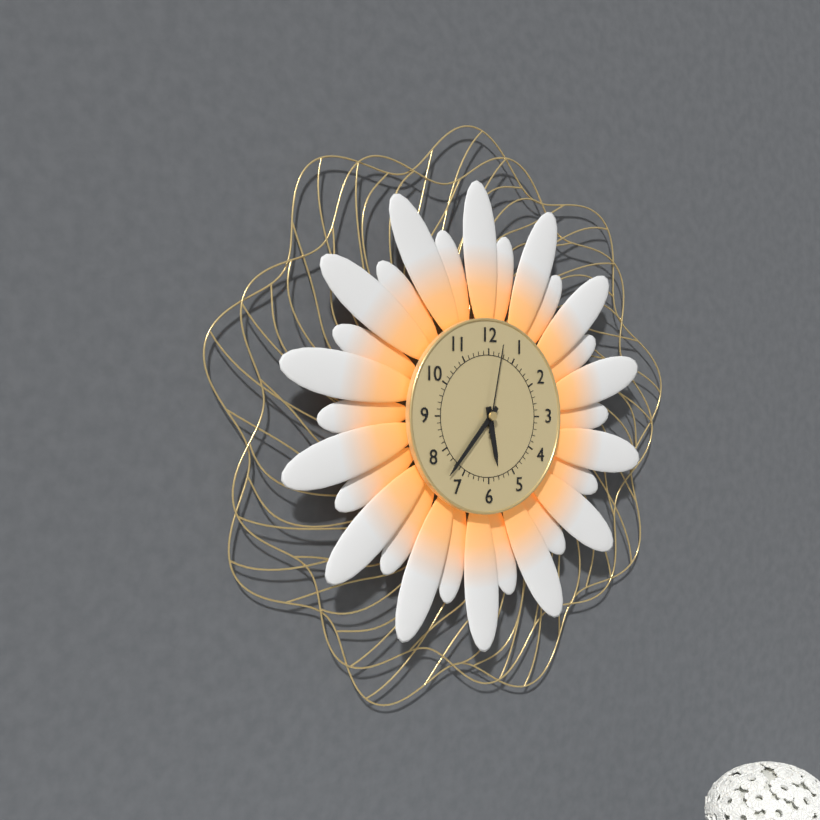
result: **5:37:02**
